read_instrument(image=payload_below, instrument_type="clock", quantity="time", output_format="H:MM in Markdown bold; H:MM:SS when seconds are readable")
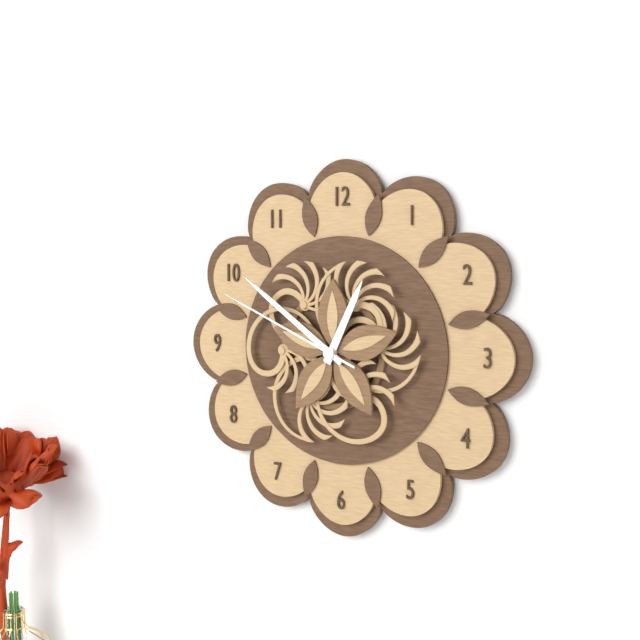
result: **12:51:49**
